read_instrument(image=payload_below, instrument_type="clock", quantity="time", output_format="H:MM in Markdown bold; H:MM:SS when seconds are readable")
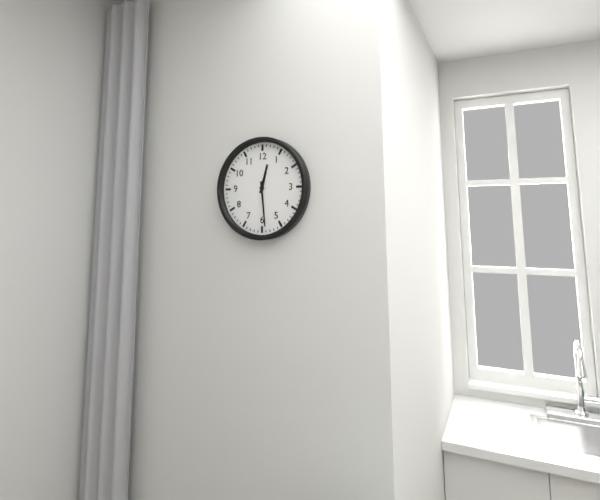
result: **12:29**
